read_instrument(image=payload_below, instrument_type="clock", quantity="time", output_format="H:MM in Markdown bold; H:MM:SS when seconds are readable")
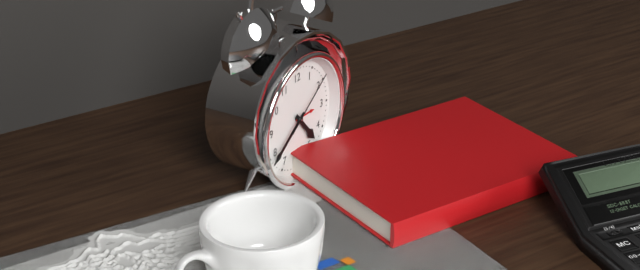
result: **4:39:09**
